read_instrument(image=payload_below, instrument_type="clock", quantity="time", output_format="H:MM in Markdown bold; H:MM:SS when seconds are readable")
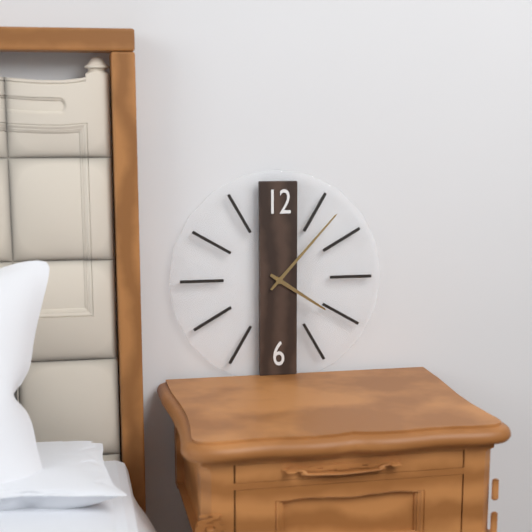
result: **4:07**
